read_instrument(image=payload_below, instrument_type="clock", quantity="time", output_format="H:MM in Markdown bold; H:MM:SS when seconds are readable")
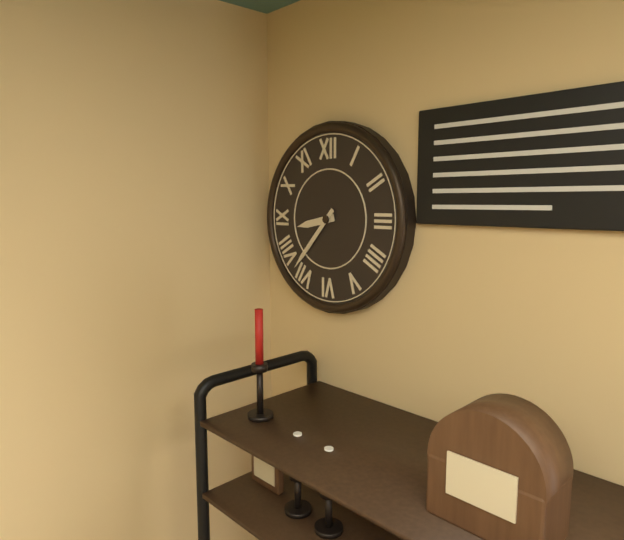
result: **8:37**
